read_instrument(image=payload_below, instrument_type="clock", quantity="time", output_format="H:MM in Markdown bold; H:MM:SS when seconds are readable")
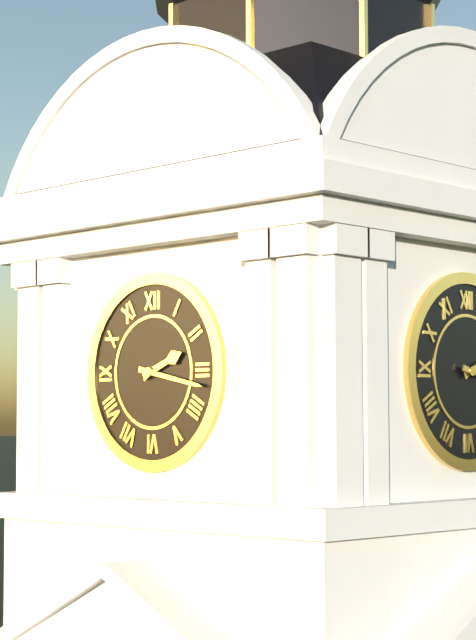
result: **2:17**
